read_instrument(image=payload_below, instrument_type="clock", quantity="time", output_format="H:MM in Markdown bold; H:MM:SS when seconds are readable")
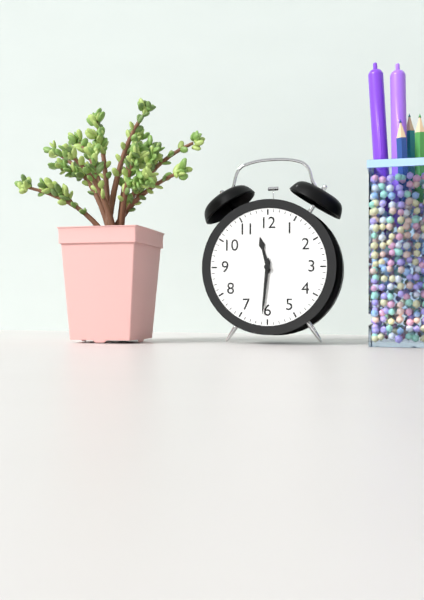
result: **11:31**
